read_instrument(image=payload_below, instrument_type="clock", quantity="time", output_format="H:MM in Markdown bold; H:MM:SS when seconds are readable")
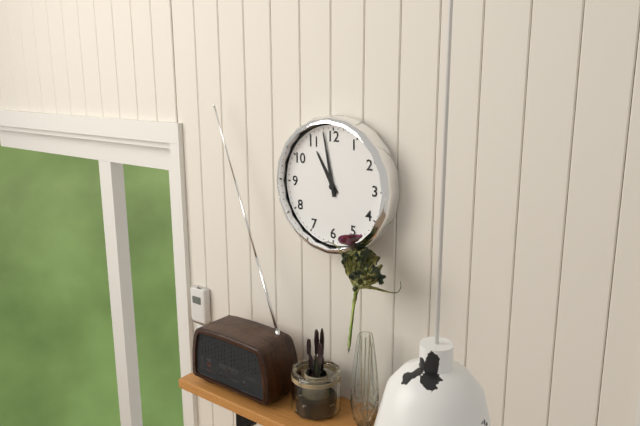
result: **10:58**
